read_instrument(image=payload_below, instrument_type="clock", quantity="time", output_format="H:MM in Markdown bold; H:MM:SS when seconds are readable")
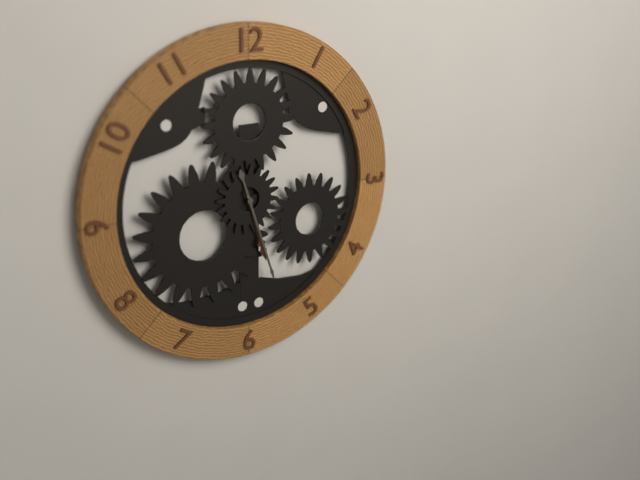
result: **5:27**
